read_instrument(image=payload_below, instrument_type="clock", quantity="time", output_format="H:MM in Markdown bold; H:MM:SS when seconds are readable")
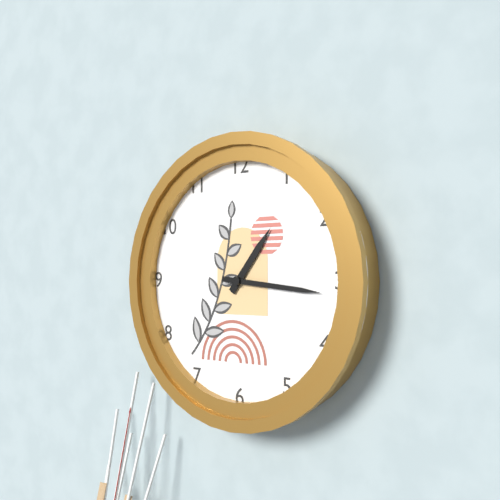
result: **1:16**
